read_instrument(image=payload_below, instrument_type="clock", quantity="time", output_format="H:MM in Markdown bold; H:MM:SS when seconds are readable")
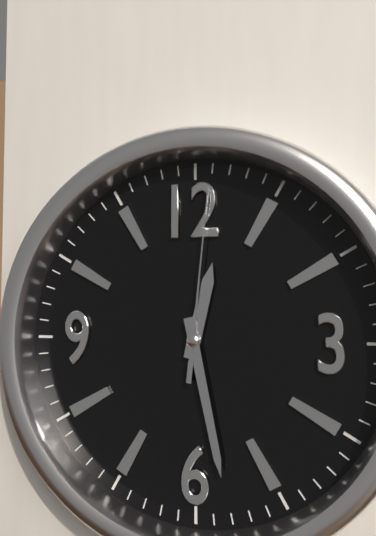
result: **12:28:01**
